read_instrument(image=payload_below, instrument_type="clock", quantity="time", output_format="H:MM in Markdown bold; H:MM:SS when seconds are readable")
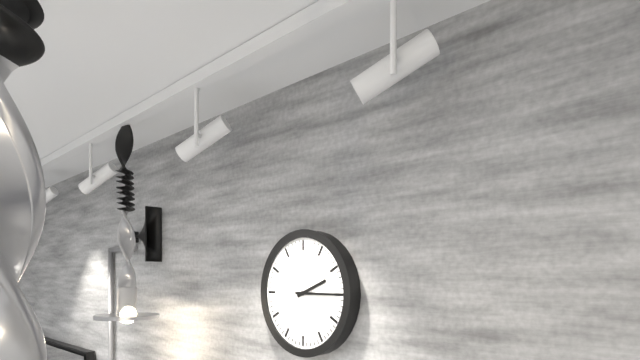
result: **2:15**
